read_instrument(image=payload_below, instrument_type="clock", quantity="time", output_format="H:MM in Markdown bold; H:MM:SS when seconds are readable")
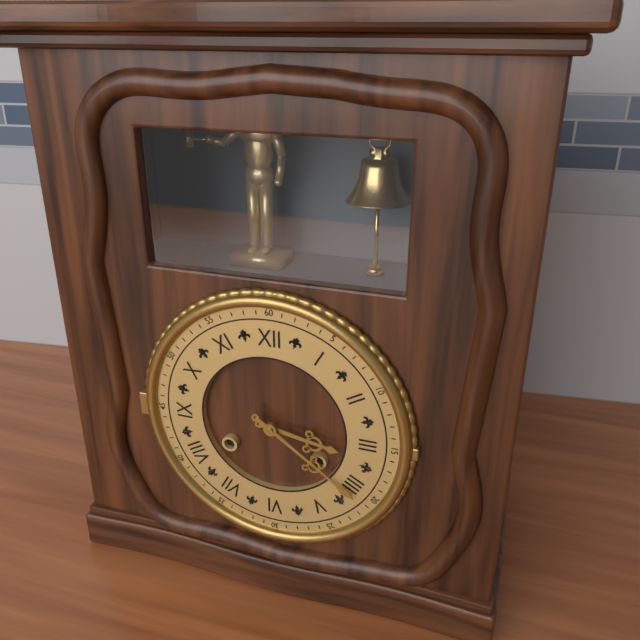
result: **3:21**
